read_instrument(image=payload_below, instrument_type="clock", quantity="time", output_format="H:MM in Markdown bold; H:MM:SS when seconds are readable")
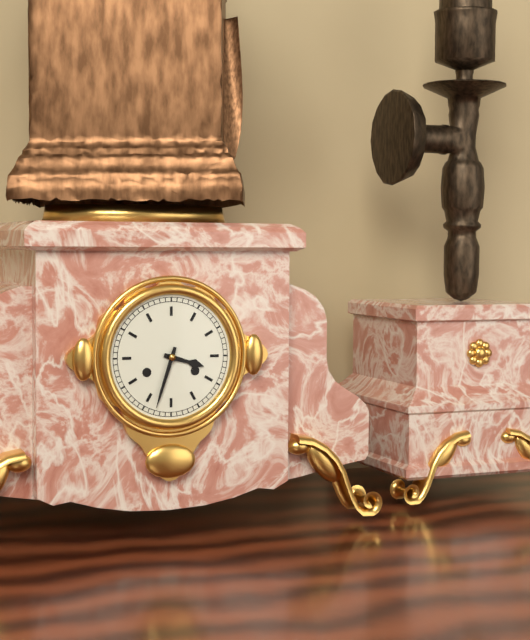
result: **3:33**
